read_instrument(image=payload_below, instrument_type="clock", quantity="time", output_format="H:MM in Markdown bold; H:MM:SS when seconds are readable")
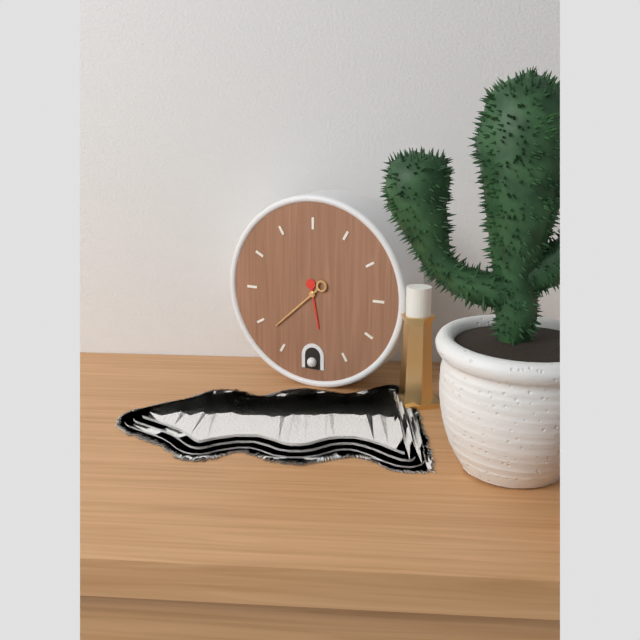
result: **5:38**
